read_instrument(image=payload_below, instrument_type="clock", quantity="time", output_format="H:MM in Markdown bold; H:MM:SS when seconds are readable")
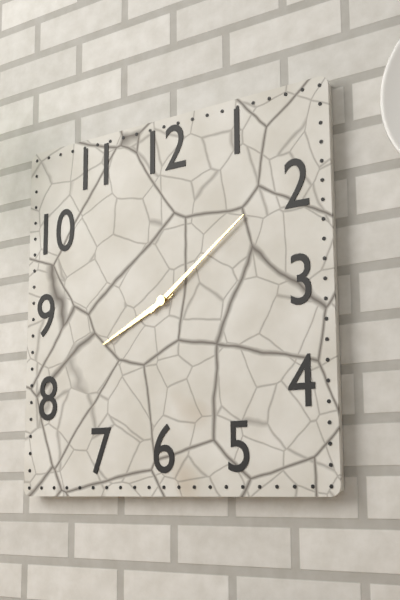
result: **8:09**
